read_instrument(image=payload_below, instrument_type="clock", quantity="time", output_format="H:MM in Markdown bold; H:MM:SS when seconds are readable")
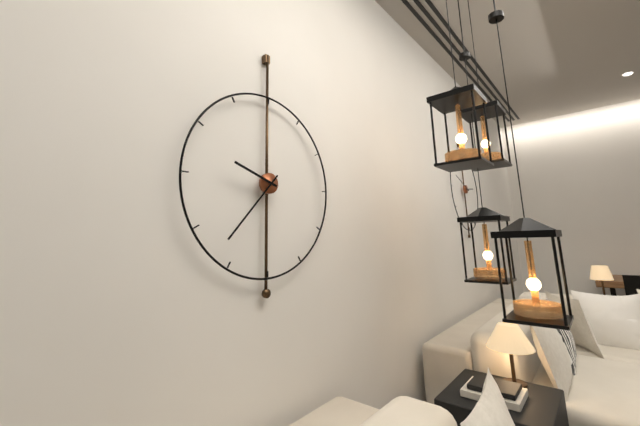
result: **9:37**
